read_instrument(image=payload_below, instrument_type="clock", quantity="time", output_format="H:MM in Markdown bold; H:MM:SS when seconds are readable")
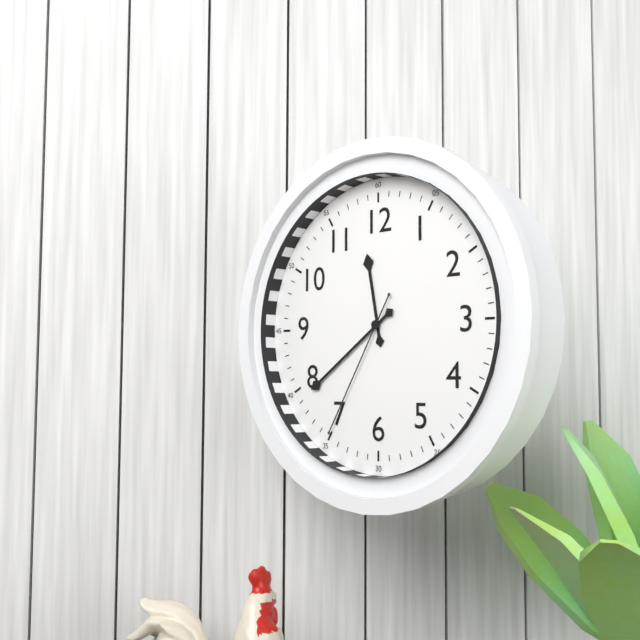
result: **11:39:35**
